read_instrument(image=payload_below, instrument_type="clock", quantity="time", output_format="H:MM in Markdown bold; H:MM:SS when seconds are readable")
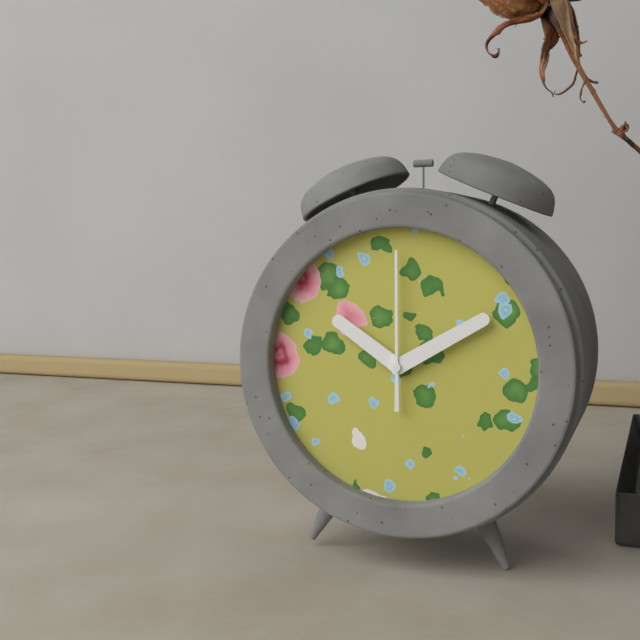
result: **10:10:00**
